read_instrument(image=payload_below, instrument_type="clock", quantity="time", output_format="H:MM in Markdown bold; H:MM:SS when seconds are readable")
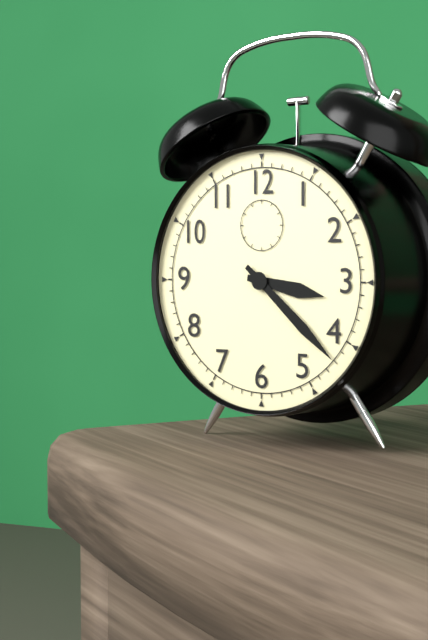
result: **3:22**
